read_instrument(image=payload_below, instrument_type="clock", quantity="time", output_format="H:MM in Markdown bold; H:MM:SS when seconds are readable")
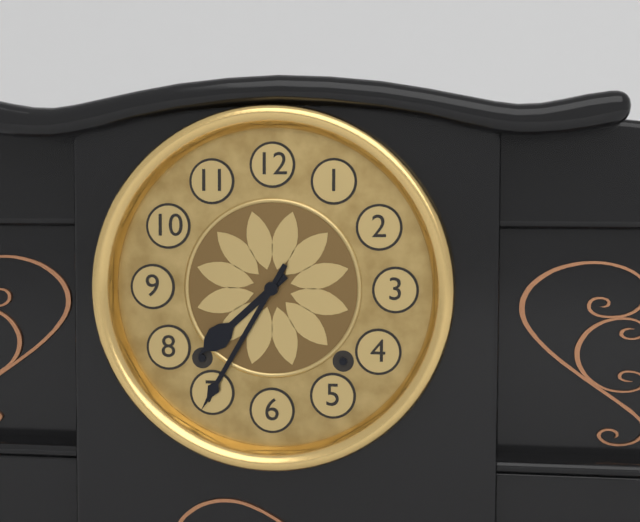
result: **7:35**
